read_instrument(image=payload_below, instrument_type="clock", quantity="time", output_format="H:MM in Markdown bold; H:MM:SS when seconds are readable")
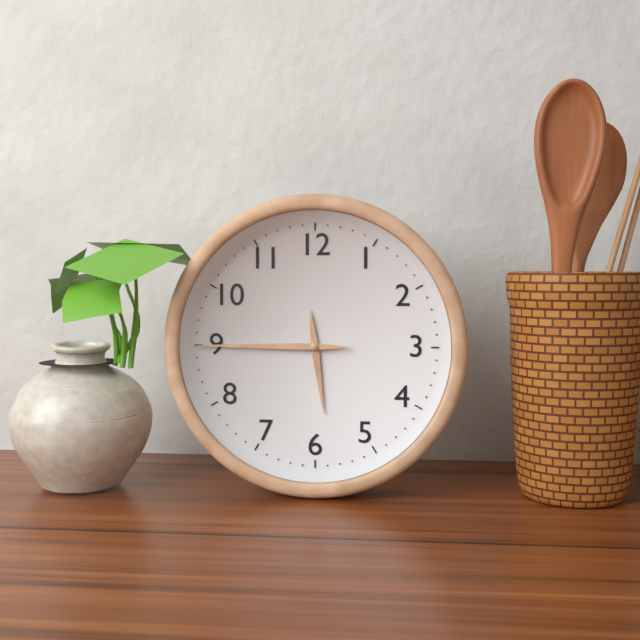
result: **5:45**
